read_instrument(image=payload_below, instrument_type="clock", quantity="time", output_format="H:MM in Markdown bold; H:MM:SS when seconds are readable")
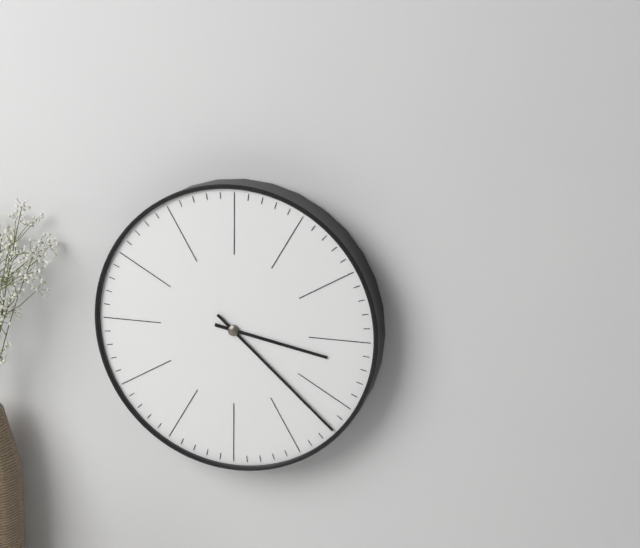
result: **3:22**
